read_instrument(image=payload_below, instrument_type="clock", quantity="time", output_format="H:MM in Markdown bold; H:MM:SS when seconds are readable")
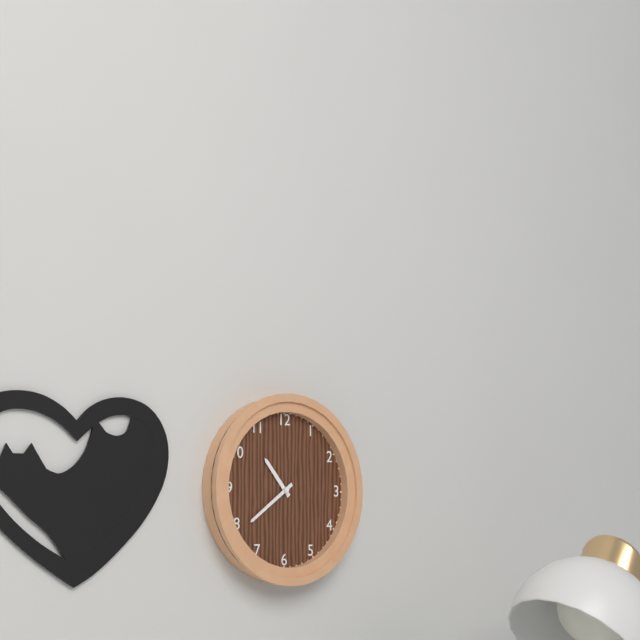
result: **10:39**
